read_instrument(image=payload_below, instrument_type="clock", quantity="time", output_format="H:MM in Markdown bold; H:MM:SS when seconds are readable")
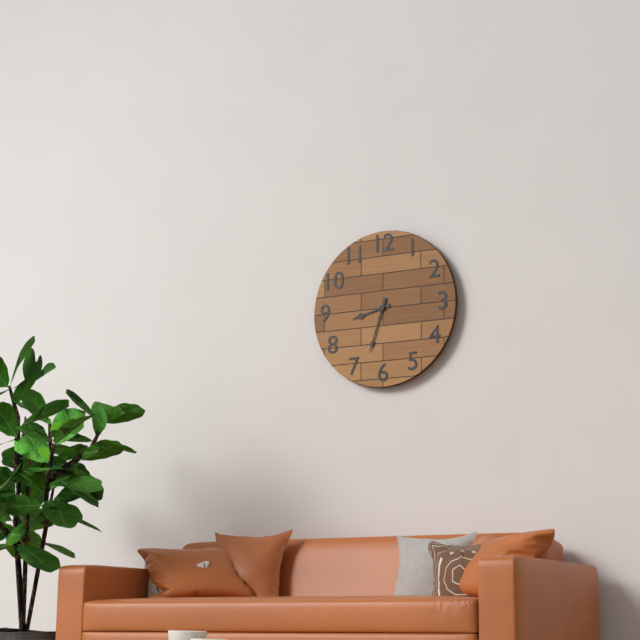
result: **8:33**
